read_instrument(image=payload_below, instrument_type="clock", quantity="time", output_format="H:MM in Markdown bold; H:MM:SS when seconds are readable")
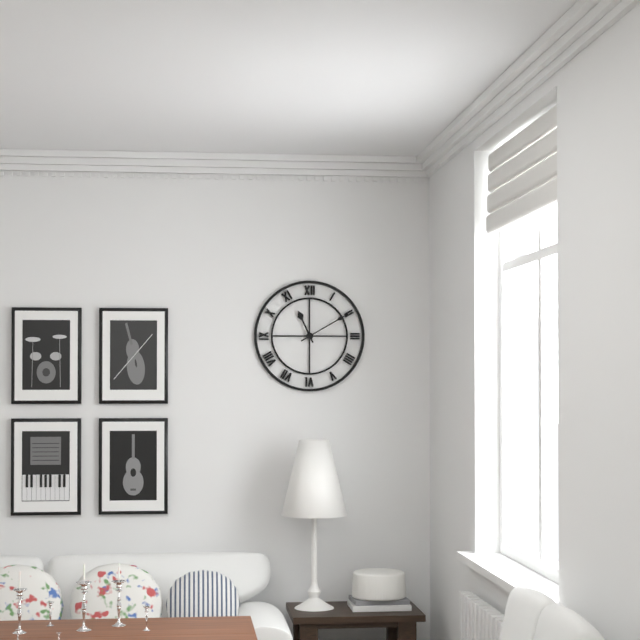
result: **11:10**
